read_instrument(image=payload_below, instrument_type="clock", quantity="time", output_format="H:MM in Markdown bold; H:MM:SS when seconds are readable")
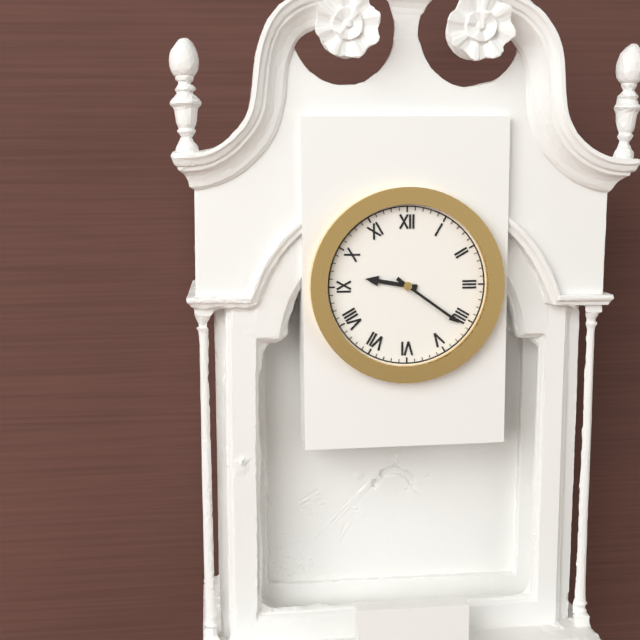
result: **9:21**
